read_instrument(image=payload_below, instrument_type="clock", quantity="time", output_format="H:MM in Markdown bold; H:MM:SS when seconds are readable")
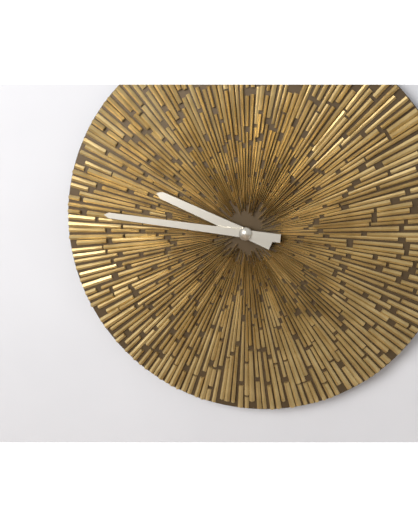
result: **9:46**
